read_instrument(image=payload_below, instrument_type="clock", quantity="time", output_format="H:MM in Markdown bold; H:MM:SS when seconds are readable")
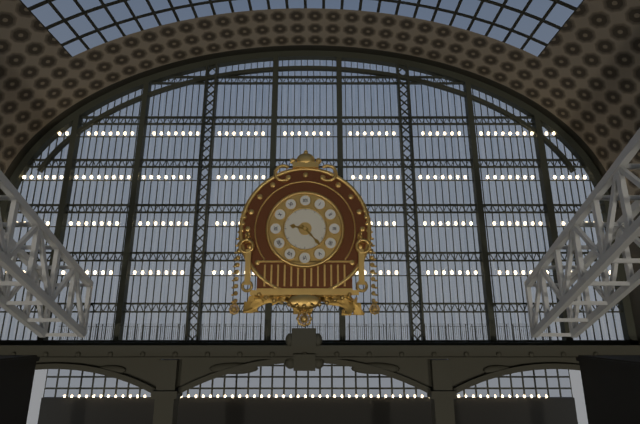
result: **9:23**
